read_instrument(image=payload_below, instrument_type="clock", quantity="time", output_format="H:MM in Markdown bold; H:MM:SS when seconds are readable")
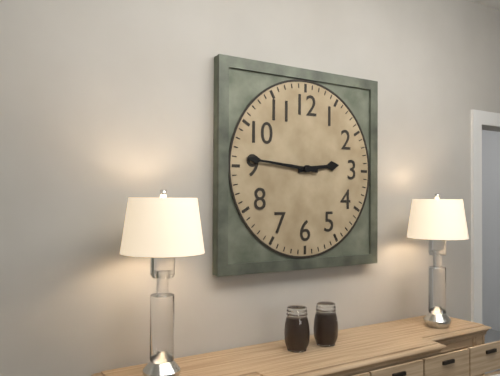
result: **2:46**
